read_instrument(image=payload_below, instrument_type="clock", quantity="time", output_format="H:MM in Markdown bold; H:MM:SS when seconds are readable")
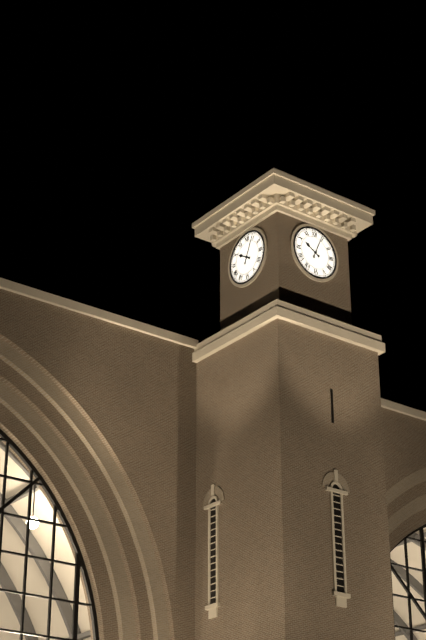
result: **10:04**
